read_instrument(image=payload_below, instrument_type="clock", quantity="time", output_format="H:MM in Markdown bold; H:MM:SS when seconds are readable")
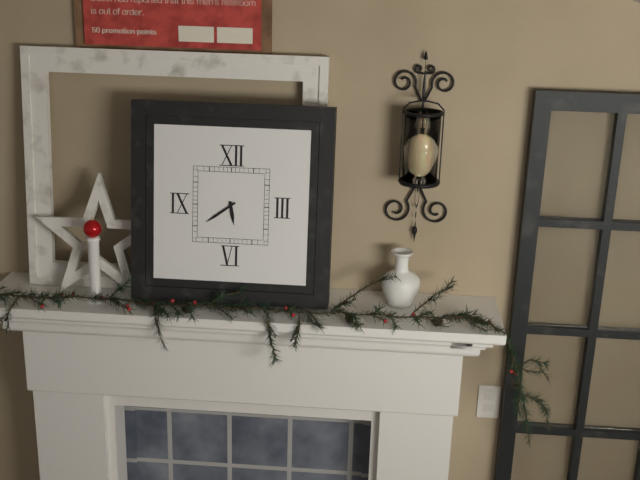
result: **5:39**
